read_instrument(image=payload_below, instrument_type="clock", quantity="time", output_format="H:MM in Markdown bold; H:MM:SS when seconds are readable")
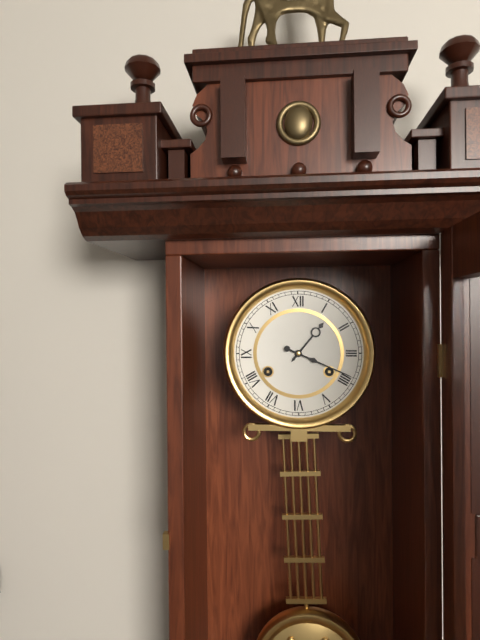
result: **1:19**
